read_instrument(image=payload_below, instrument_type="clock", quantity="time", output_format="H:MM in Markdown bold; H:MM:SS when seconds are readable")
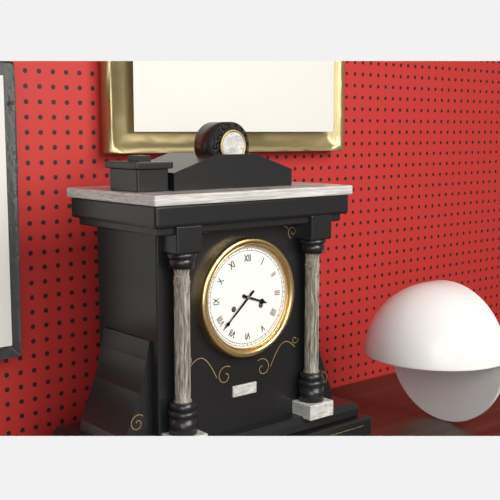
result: **3:38**
